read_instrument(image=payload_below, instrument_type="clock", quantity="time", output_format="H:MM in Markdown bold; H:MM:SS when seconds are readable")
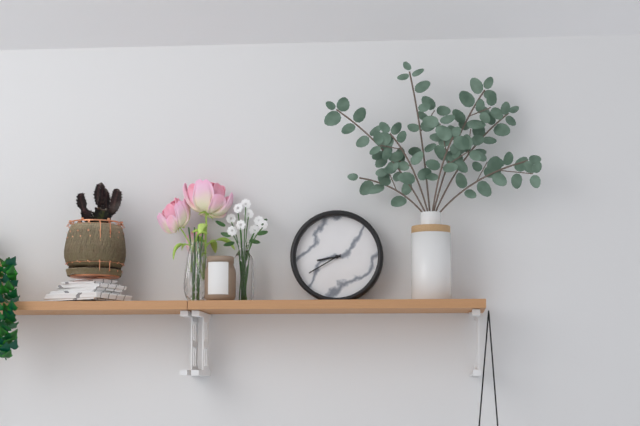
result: **8:40**
